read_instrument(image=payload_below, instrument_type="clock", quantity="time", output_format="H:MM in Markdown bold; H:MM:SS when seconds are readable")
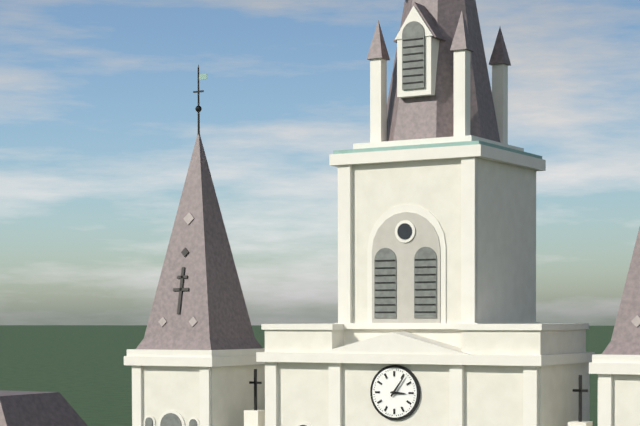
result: **3:06**
